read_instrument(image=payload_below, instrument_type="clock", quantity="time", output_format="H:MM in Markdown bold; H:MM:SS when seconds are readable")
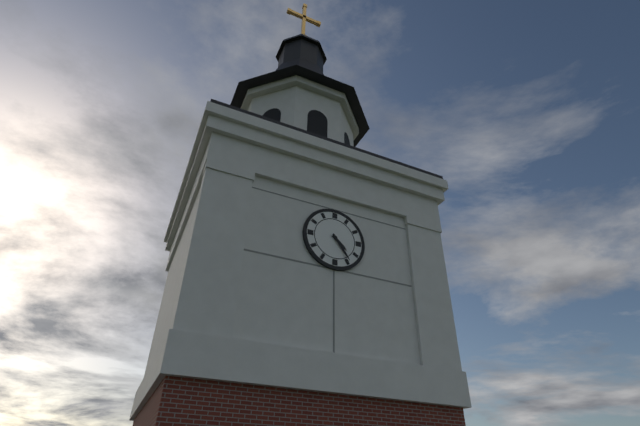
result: **4:24**
